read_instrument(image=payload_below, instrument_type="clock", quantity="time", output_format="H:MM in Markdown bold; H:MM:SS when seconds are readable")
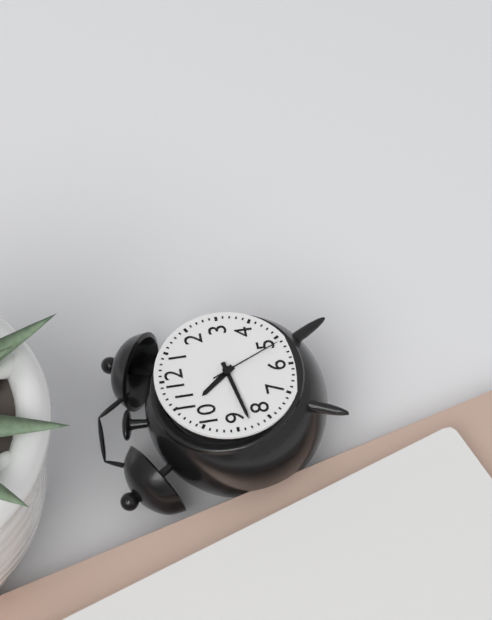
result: **10:43:26**
